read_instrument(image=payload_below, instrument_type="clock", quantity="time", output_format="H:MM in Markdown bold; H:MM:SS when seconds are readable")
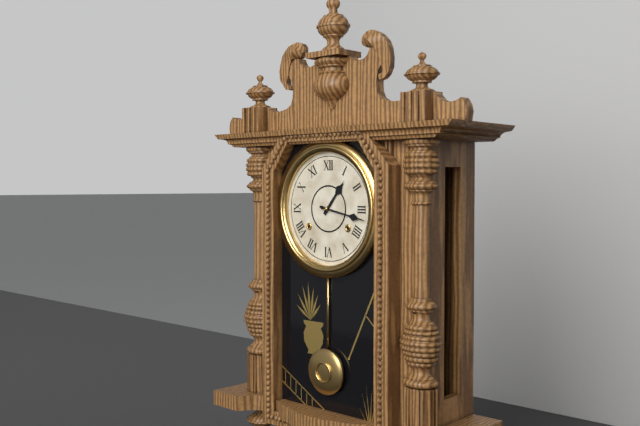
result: **1:17**
